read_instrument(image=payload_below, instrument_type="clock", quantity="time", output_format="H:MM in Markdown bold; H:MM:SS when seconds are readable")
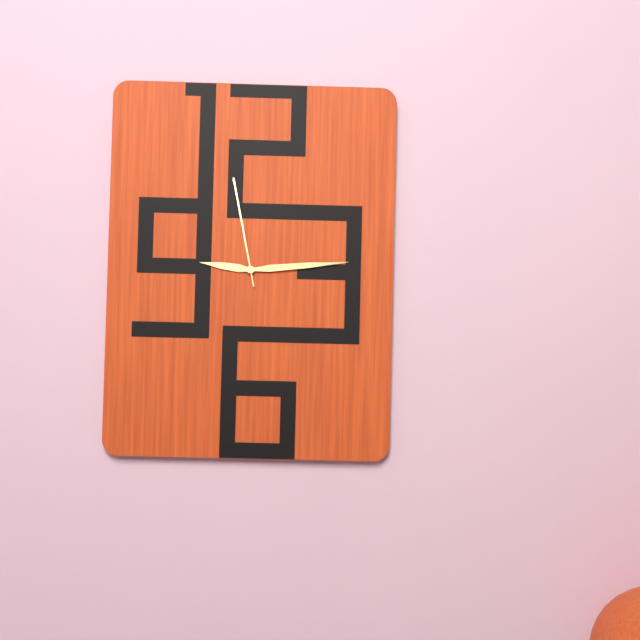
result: **9:14:58**
